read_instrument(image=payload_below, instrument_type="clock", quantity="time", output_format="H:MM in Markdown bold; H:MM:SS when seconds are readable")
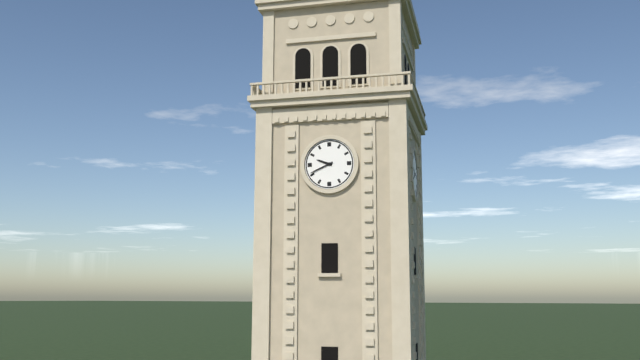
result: **9:41**
